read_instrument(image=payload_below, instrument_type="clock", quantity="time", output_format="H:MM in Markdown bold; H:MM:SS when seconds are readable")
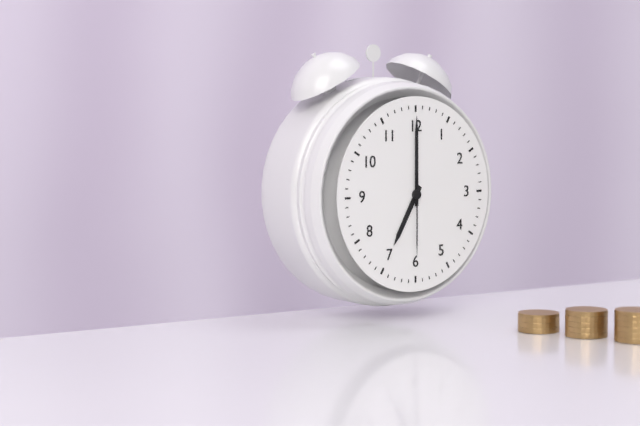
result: **7:00:30**
